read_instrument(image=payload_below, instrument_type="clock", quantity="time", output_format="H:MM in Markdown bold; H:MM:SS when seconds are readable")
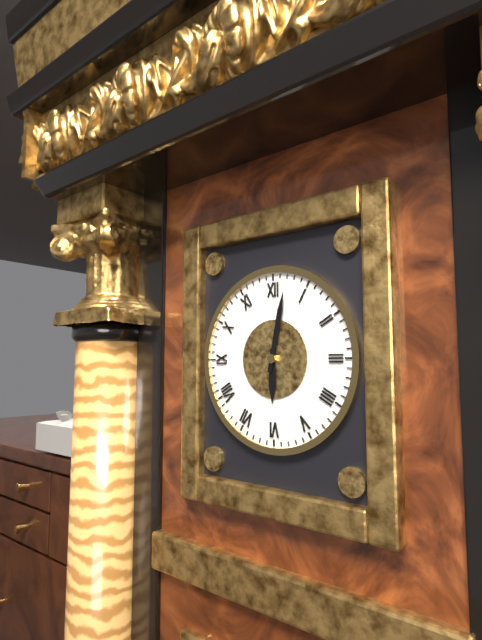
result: **6:02**
